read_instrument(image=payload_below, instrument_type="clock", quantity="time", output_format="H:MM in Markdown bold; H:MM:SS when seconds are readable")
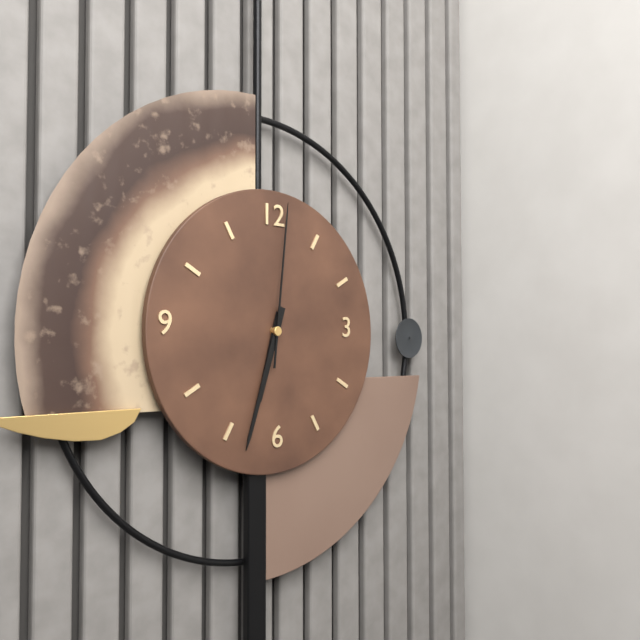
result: **6:33:01**
